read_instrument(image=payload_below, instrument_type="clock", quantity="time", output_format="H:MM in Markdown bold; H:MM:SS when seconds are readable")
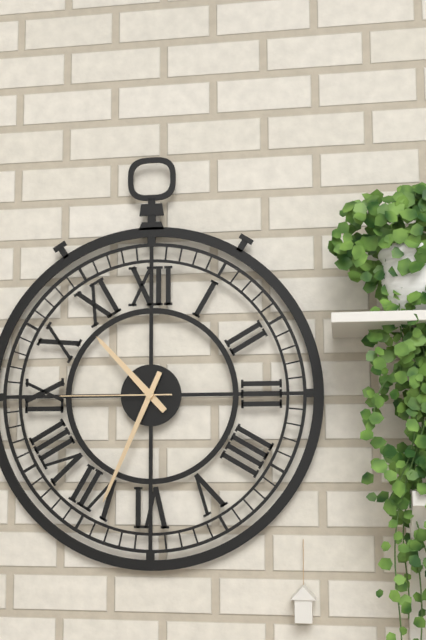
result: **10:34:45**
